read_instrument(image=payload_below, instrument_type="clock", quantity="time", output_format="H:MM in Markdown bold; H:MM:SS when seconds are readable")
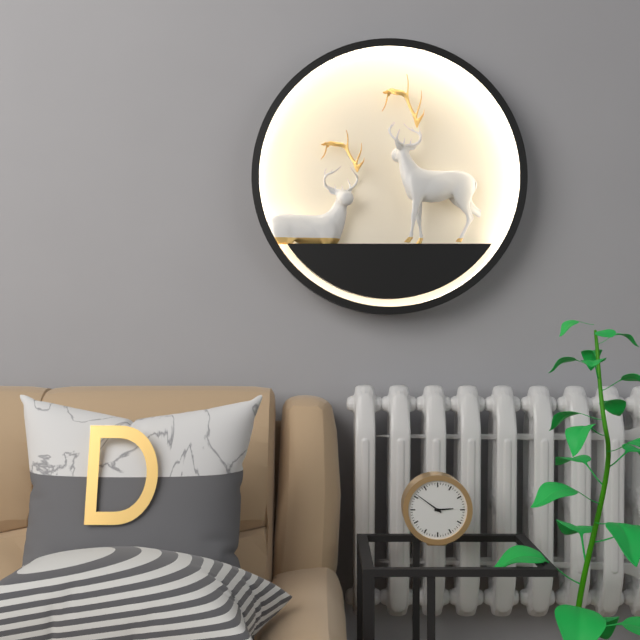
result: **2:51**
